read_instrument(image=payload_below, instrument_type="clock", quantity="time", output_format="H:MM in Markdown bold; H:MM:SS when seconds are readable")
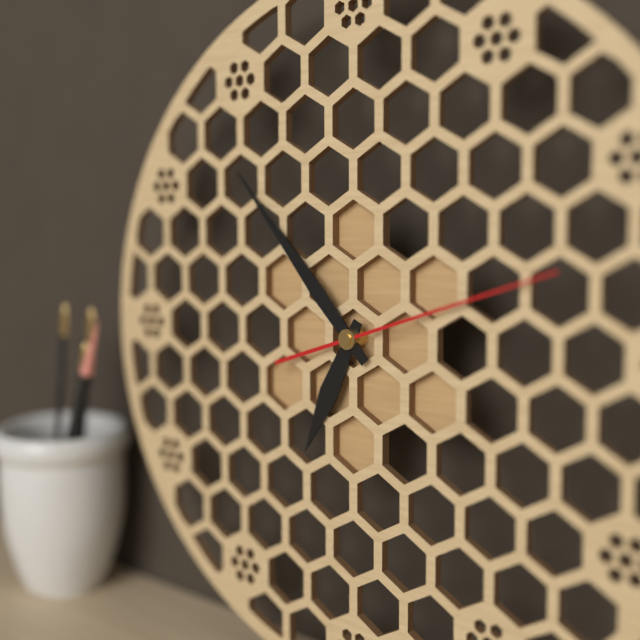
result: **6:53:12**
